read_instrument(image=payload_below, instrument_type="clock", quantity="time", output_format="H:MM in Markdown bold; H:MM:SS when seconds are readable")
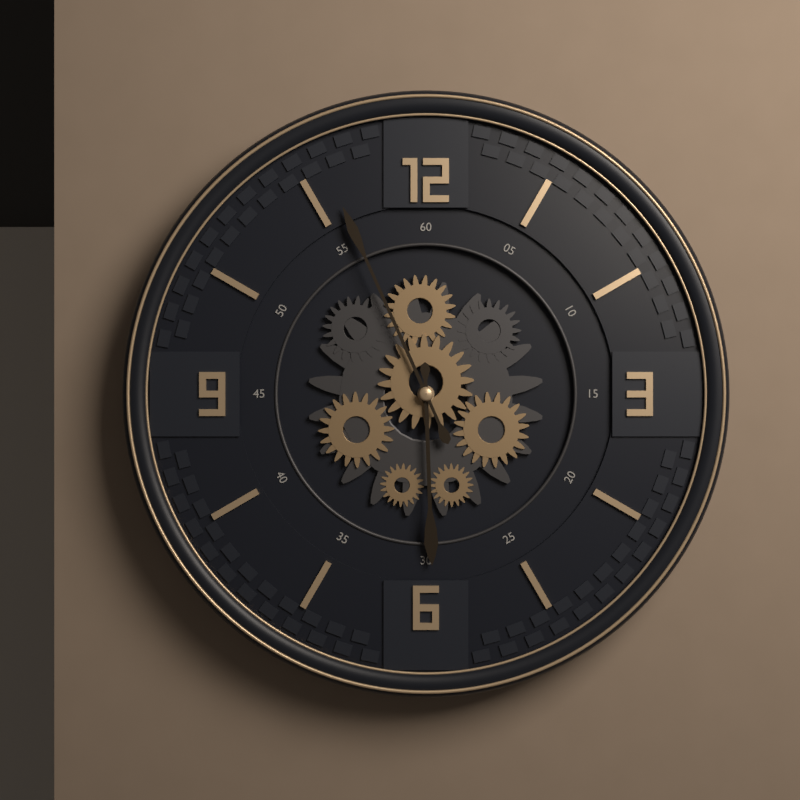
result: **5:56**
